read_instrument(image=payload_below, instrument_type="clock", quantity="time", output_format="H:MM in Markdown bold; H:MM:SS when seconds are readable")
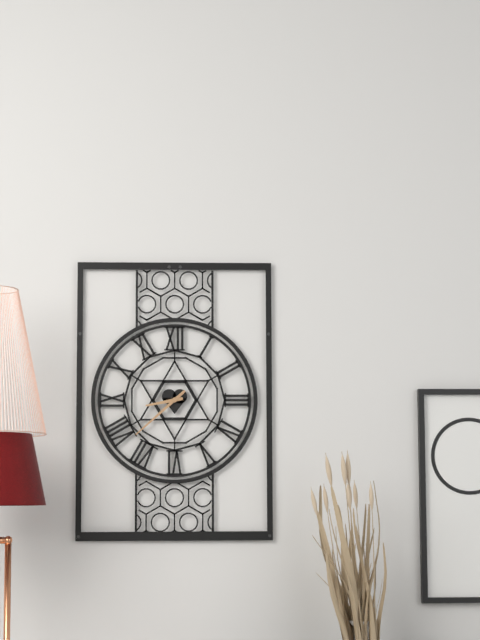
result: **8:38**
